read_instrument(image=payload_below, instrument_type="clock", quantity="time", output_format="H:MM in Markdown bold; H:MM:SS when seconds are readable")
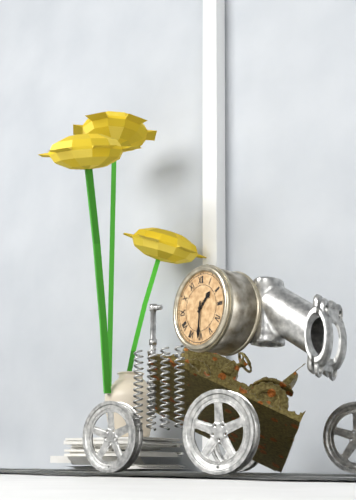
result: **1:31**
